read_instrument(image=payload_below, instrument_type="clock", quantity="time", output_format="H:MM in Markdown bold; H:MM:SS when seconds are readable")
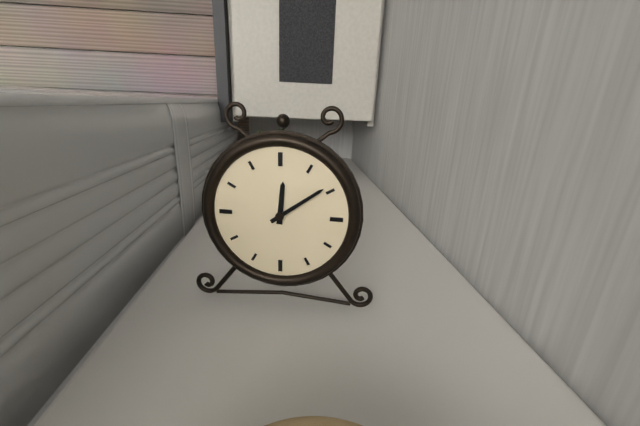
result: **12:09**
